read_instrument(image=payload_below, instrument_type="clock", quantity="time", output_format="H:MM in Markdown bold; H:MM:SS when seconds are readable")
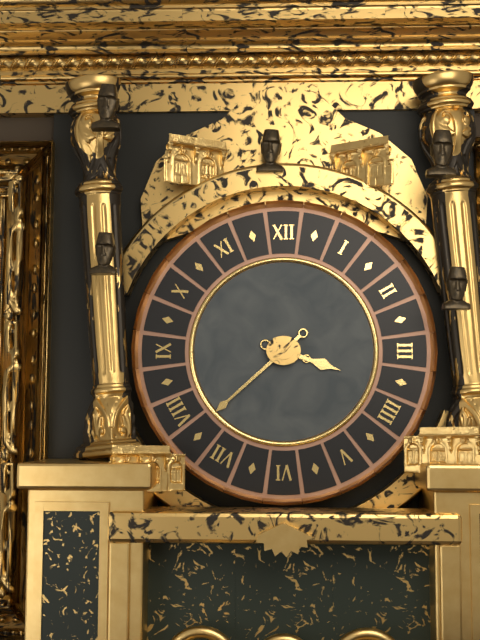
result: **3:38**
